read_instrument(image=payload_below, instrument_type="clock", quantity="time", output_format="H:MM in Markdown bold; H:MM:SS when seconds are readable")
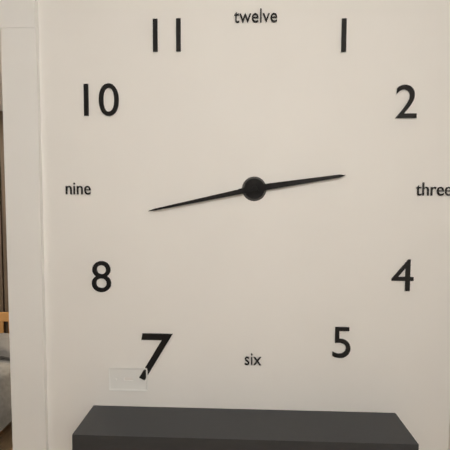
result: **2:43**
